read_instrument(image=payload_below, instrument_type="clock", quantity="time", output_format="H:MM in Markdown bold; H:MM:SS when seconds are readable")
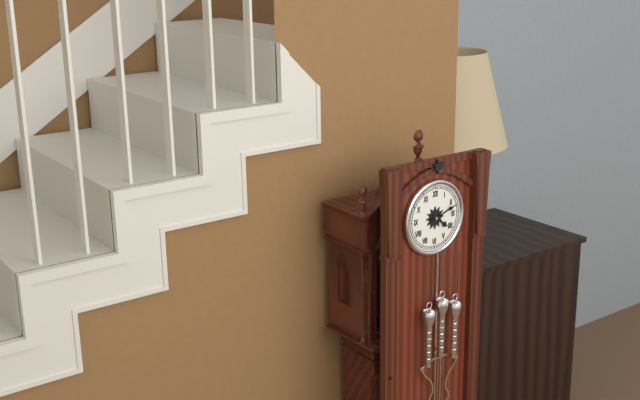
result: **4:12**
